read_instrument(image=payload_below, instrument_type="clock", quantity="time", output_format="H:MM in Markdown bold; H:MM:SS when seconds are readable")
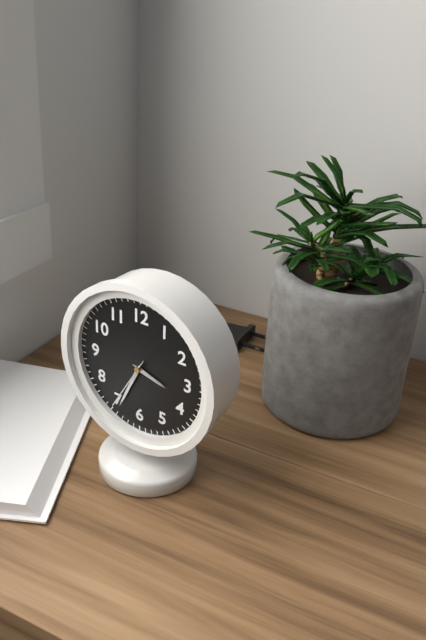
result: **3:34:35**
